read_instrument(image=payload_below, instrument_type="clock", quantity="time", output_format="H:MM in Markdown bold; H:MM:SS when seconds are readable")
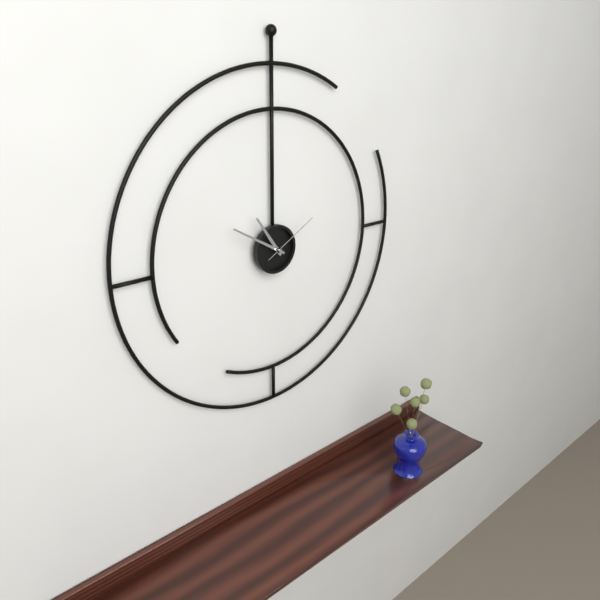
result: **10:50:10**
